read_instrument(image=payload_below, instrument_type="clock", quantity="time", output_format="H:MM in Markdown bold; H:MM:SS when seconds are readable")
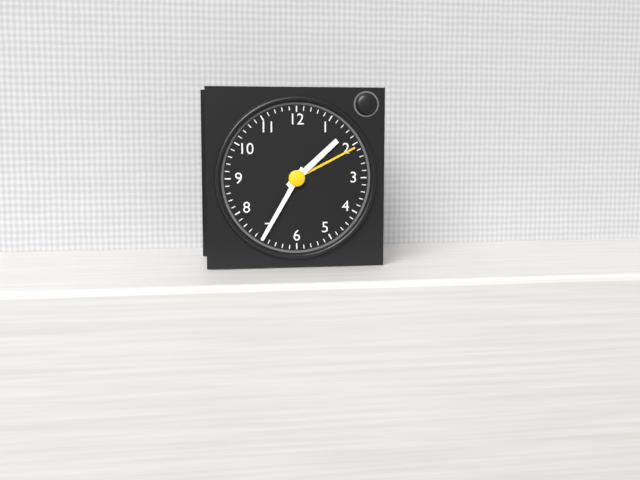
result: **1:35**
